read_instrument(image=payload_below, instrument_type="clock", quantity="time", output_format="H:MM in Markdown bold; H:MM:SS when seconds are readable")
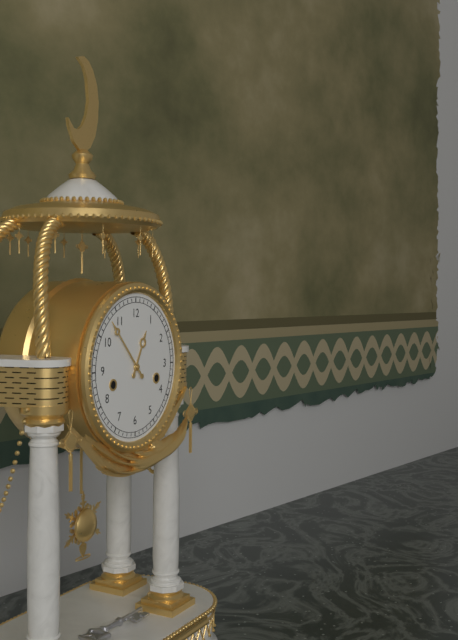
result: **12:53**
